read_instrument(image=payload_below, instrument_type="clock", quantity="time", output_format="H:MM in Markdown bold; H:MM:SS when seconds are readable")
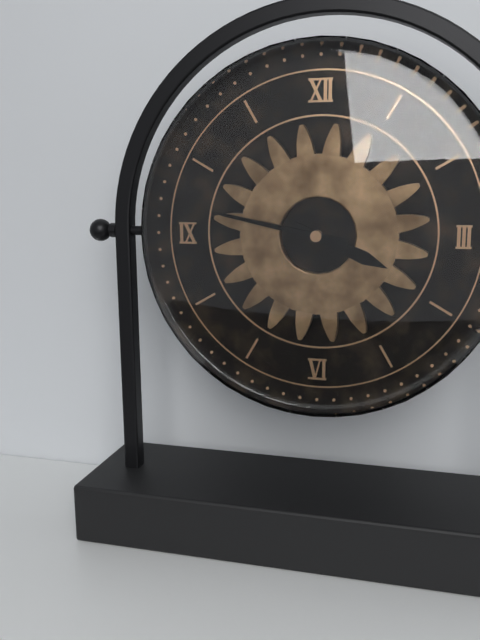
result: **3:47**
